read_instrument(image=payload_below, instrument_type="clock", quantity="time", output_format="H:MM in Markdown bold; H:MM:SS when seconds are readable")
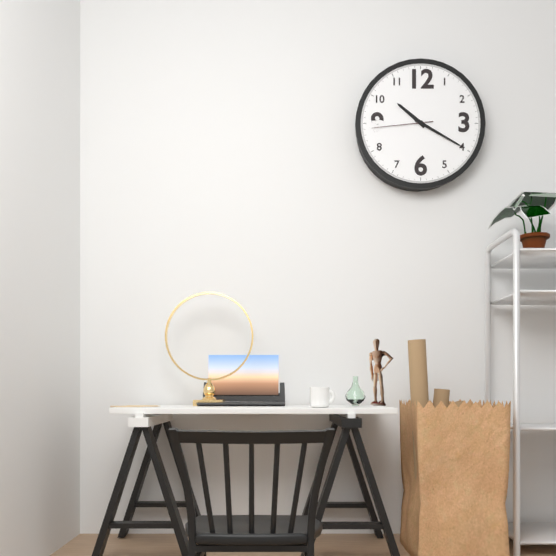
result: **10:20:44**
